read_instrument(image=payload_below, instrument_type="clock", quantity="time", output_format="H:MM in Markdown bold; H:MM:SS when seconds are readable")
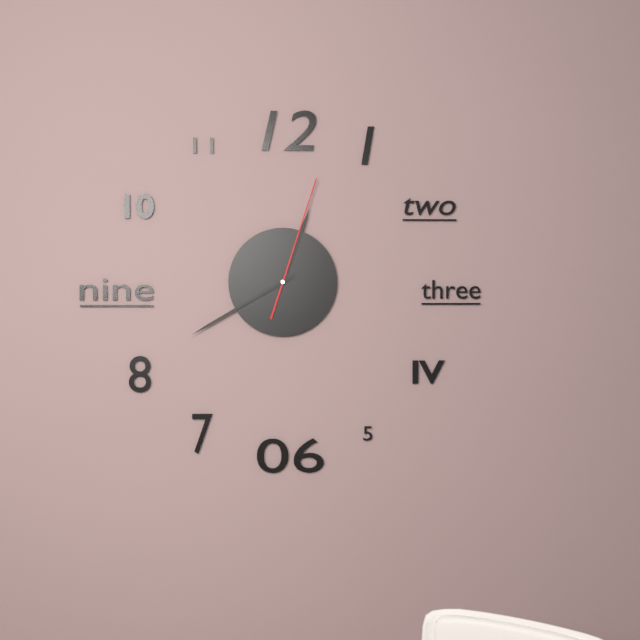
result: **12:40:03**
